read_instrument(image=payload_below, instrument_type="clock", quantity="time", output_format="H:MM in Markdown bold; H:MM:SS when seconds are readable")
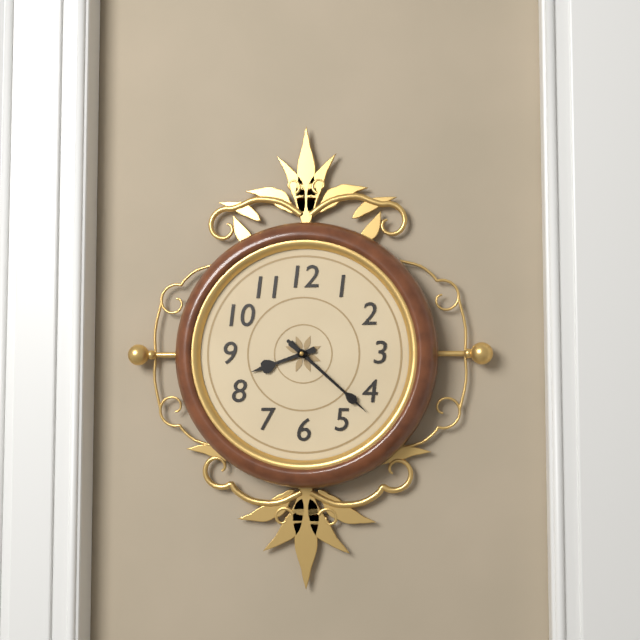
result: **8:22:22**
